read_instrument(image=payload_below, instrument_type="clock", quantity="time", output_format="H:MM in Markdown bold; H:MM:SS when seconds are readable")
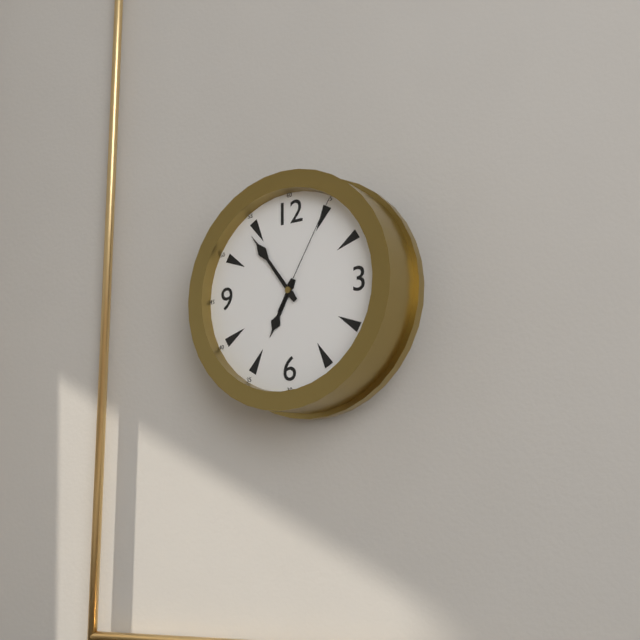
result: **6:54:05**
